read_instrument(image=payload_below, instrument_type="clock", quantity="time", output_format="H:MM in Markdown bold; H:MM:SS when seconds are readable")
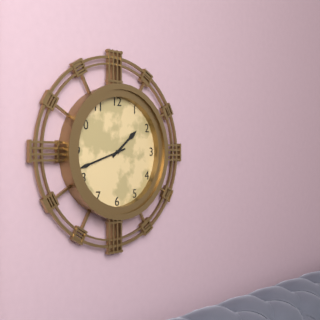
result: **1:42**
